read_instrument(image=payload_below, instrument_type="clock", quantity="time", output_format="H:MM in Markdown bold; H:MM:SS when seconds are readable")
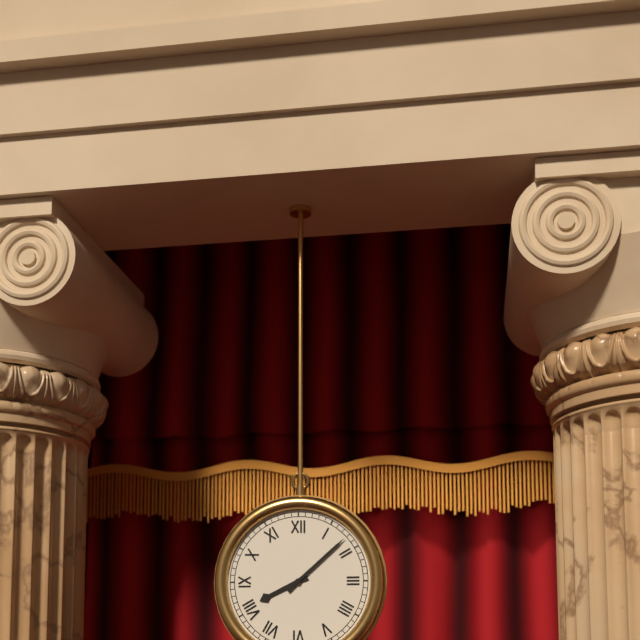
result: **8:08**
